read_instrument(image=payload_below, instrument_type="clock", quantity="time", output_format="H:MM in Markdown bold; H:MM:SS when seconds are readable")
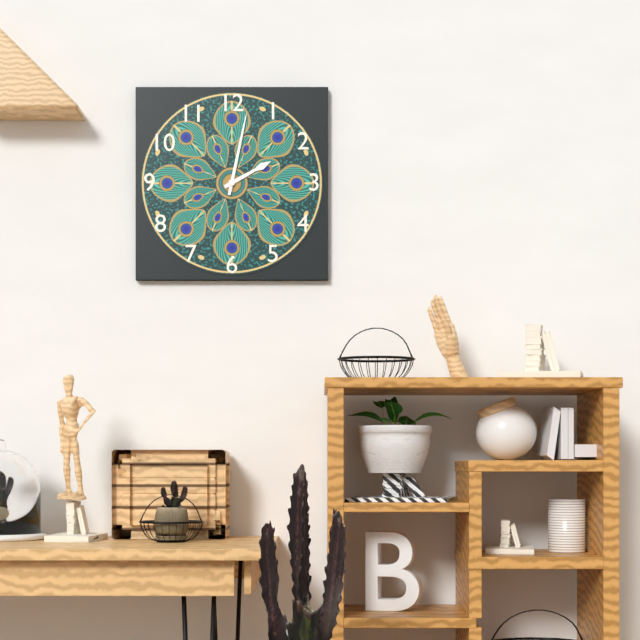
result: **2:02**
